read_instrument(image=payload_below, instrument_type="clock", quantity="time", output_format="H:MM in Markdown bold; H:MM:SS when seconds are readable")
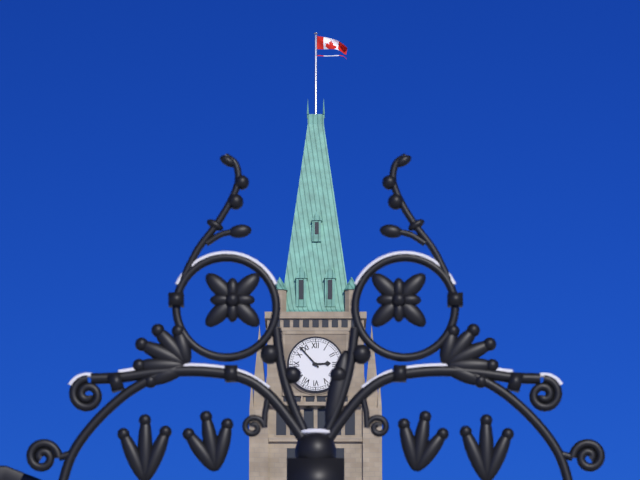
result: **2:53**
